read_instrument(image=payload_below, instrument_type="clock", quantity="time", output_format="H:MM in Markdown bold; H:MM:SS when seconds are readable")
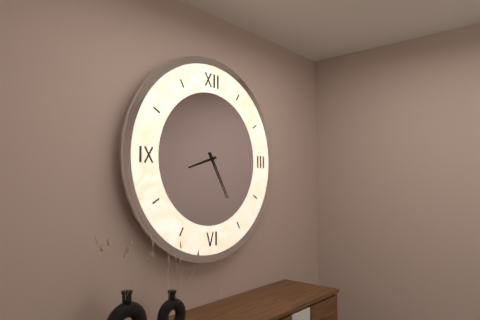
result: **8:25**
